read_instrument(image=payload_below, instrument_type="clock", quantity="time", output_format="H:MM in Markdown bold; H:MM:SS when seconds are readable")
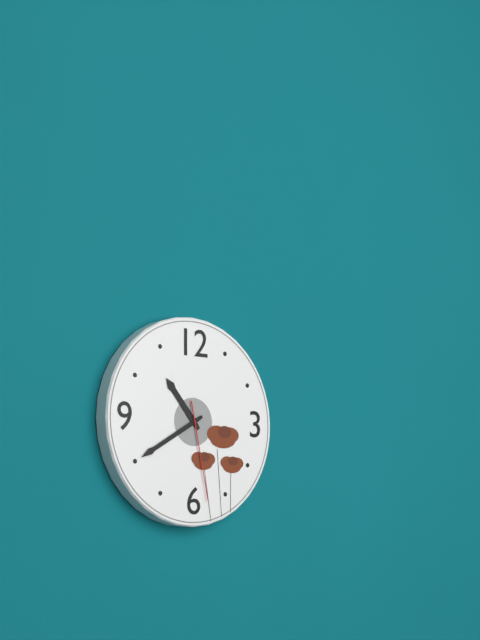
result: **10:40:28**
